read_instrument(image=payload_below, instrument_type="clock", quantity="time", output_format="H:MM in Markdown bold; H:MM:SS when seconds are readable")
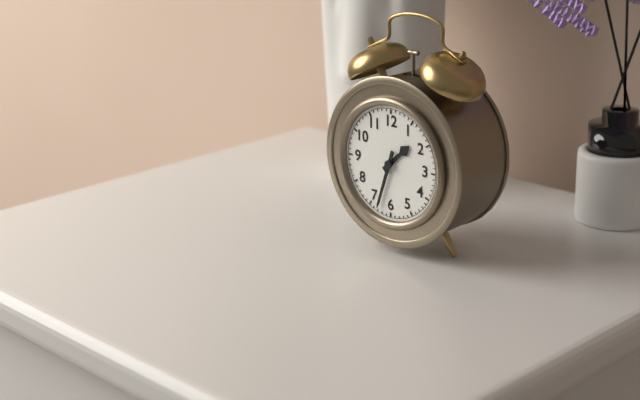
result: **1:33**
